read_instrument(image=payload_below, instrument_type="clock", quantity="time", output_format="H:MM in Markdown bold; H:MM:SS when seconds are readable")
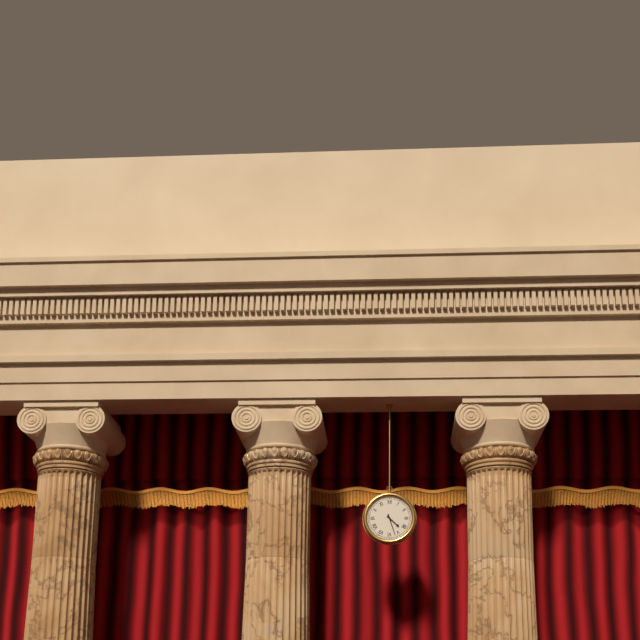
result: **4:27**
